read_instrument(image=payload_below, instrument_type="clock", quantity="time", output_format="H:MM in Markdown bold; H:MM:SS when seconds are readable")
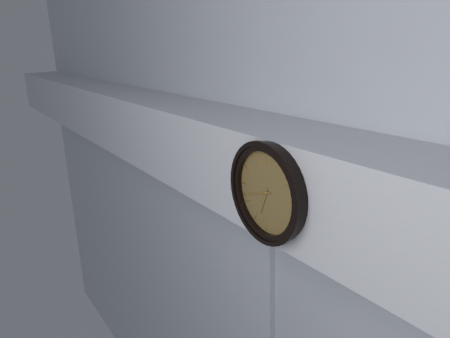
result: **6:42**
